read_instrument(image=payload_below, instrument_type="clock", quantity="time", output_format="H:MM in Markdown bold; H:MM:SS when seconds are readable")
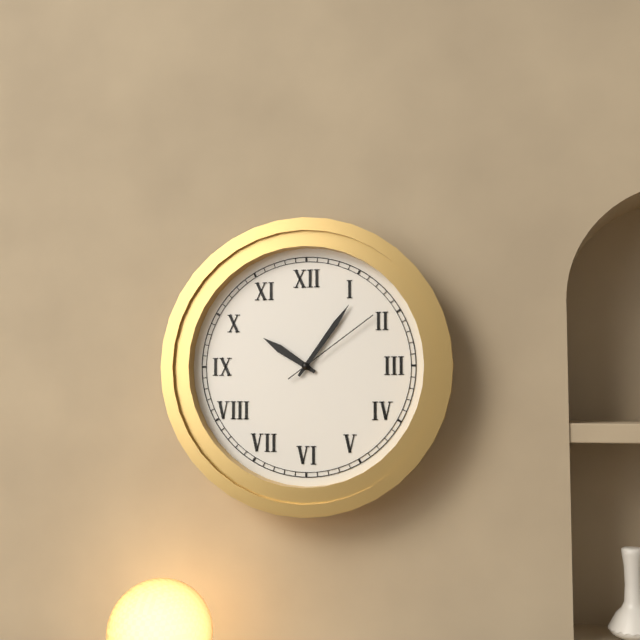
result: **10:06:09**
